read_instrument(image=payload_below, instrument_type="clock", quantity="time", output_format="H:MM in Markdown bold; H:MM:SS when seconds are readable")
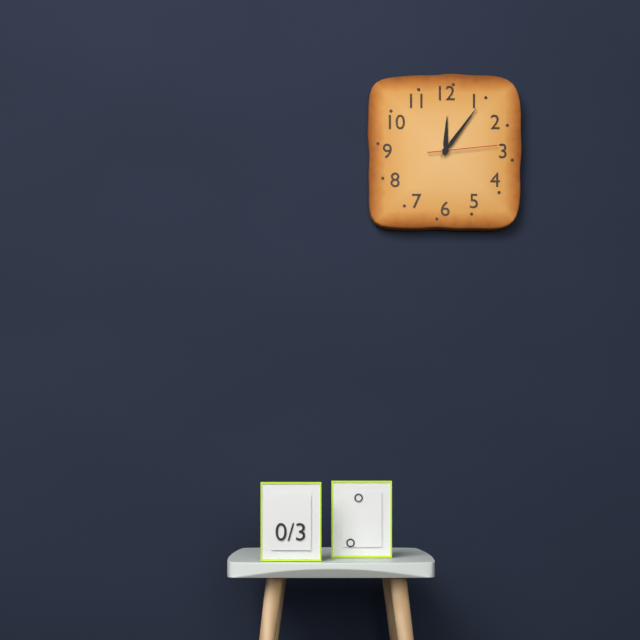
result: **12:06:14**
